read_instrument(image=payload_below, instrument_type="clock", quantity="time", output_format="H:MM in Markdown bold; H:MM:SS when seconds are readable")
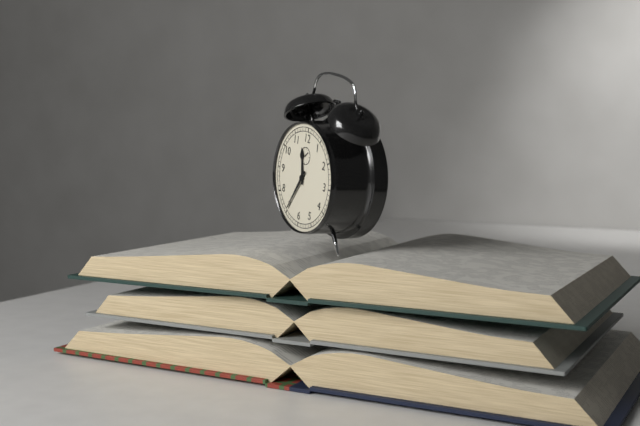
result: **11:35**
